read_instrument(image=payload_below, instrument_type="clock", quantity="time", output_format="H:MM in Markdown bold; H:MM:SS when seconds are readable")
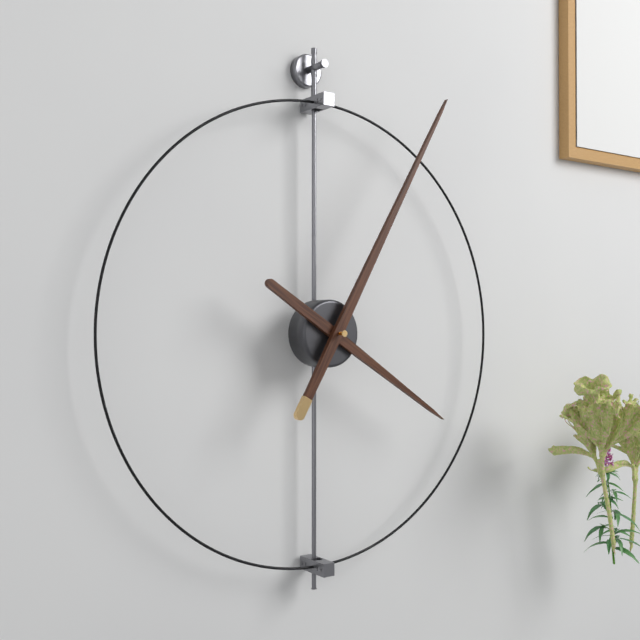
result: **4:05**
